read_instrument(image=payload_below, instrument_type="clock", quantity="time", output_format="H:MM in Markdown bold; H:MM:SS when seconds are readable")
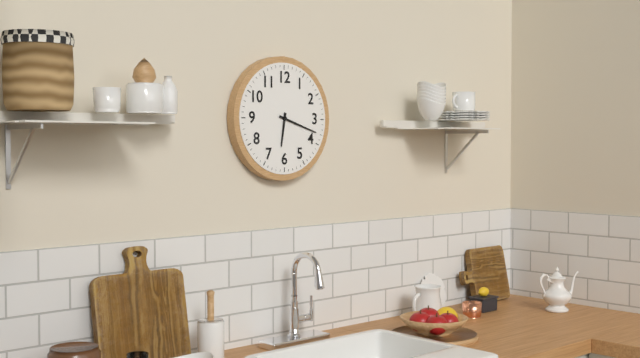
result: **6:18**
